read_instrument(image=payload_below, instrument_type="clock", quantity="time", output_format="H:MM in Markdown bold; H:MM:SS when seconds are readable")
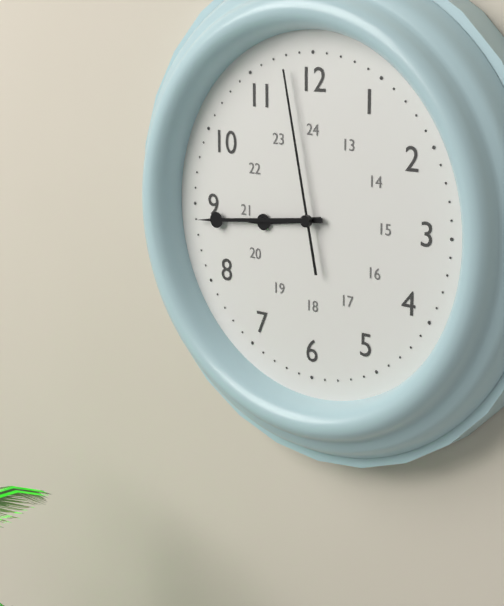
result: **8:44:58**
